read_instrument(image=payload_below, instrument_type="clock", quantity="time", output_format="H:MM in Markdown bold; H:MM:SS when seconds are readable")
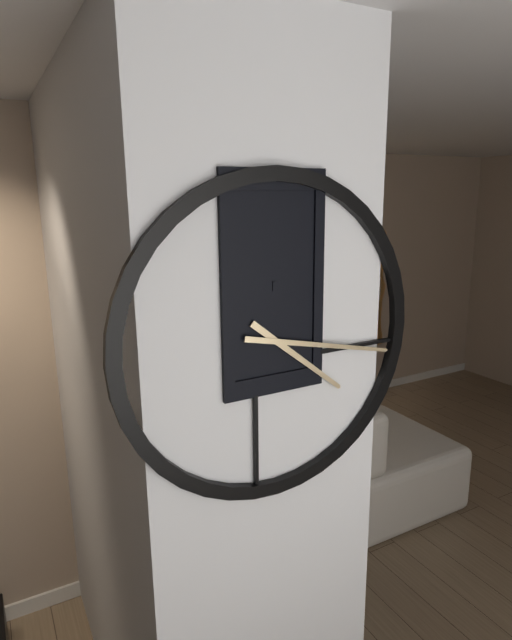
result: **4:17**
